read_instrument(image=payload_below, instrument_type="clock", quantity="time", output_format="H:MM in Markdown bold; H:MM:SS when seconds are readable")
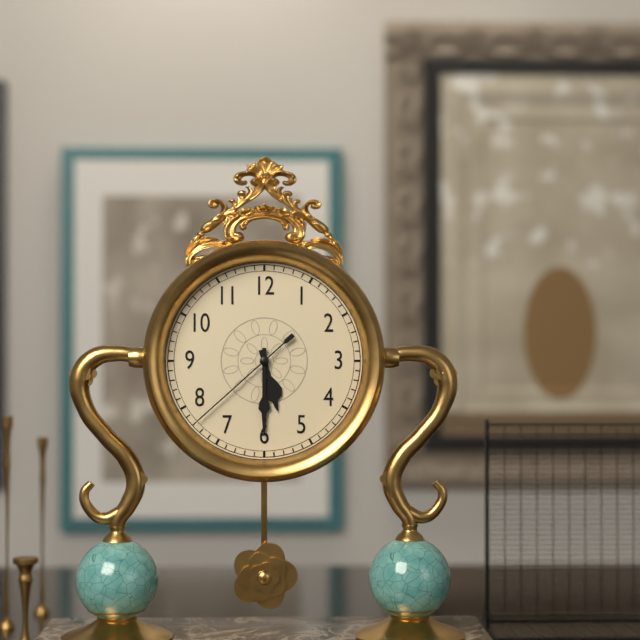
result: **5:30:38**
